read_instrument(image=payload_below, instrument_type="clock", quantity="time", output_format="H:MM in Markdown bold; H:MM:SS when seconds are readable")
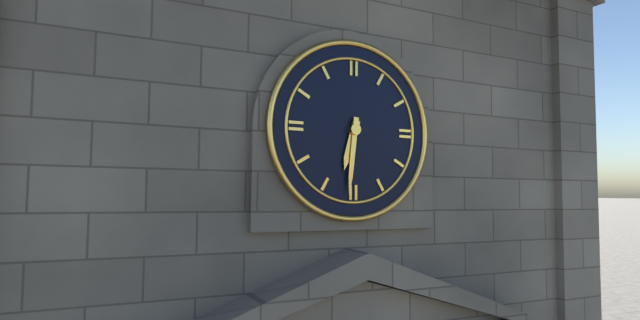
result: **6:31**
